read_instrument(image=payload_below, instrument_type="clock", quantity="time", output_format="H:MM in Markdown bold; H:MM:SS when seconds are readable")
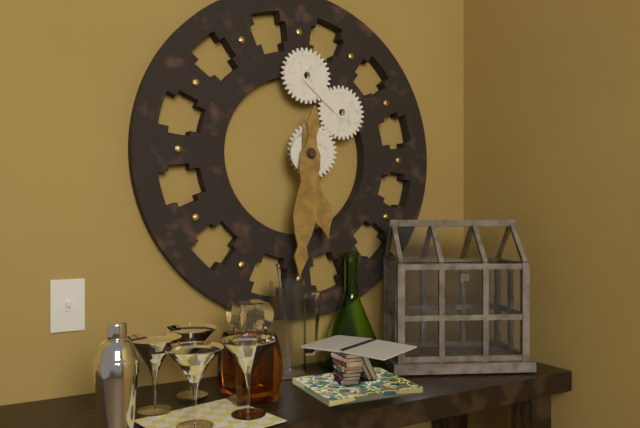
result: **5:31**
